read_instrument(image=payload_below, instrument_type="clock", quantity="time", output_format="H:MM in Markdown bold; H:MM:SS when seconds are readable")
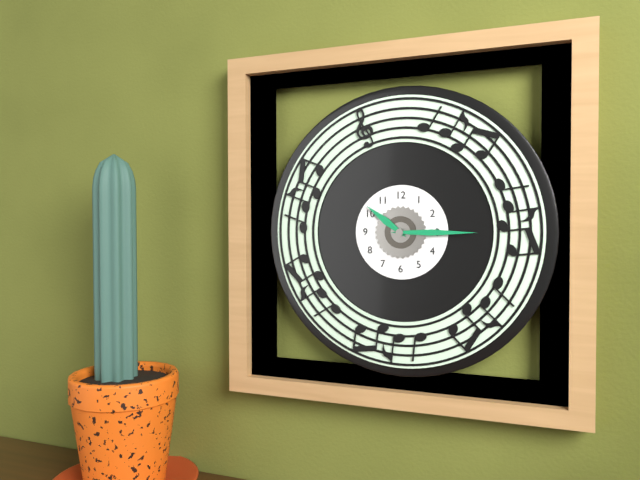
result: **10:15**
